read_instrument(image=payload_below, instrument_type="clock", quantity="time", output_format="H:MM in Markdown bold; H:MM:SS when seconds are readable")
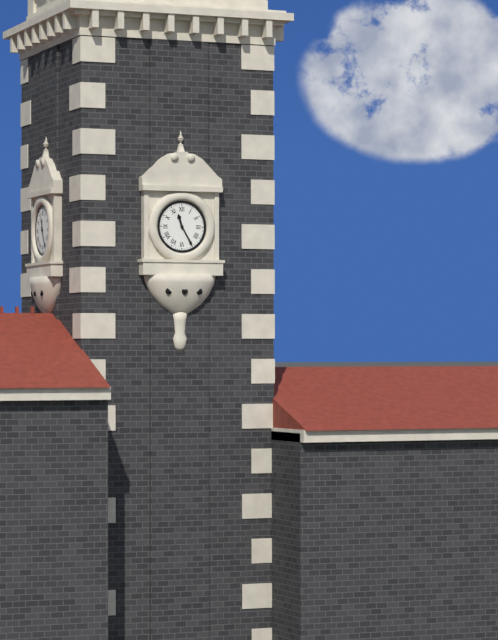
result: **11:25**
